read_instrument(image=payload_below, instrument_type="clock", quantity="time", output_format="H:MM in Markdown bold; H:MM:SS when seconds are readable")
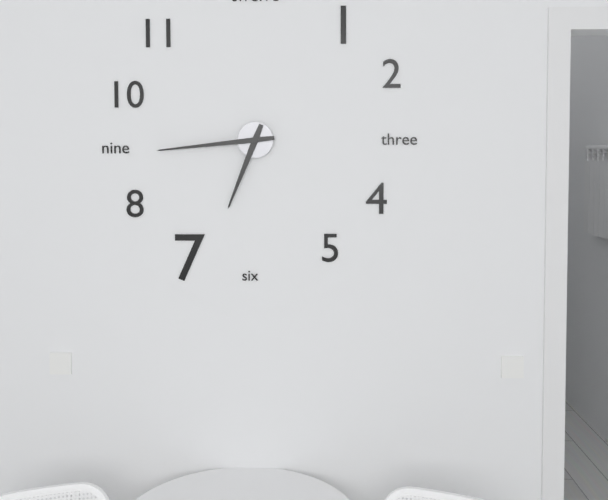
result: **6:44**
